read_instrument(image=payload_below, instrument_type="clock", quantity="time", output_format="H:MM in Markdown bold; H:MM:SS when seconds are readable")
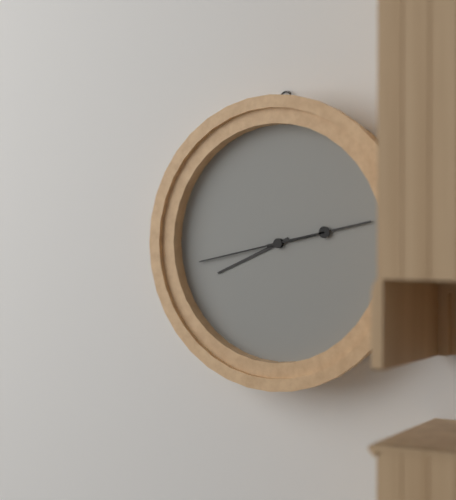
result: **8:13:43**
